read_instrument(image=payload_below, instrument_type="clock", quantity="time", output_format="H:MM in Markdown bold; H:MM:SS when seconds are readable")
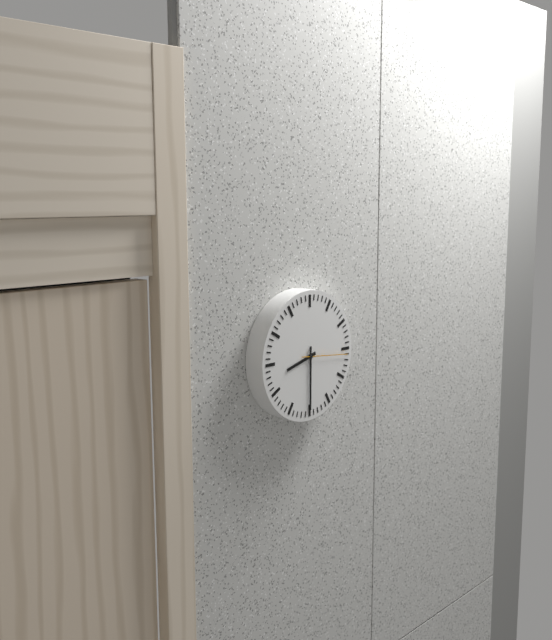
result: **8:30:16**
